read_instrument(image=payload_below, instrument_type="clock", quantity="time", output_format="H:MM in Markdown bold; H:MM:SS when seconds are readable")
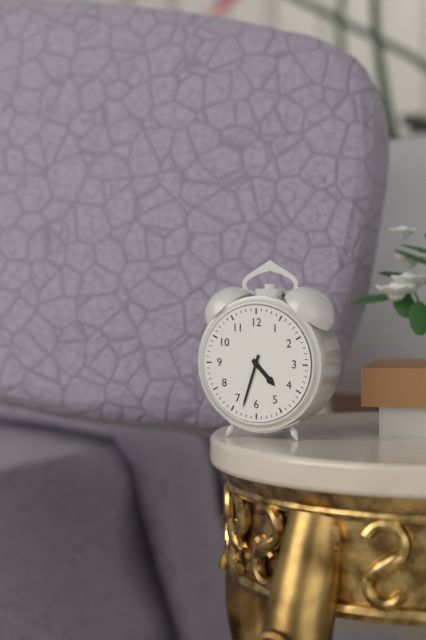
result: **4:33**
